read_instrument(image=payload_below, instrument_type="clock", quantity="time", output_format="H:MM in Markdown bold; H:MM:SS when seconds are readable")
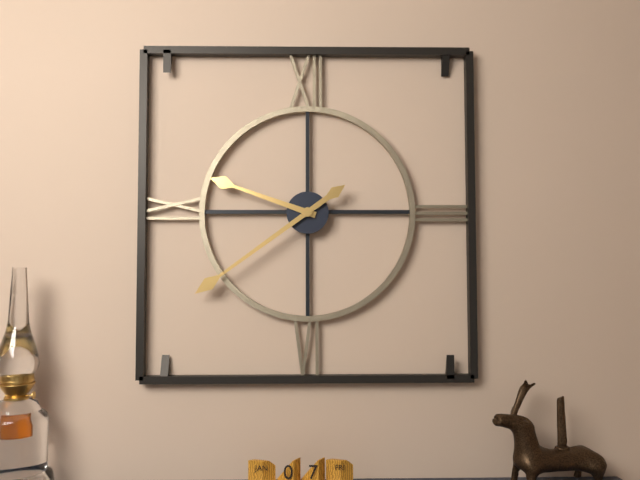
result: **9:39**
